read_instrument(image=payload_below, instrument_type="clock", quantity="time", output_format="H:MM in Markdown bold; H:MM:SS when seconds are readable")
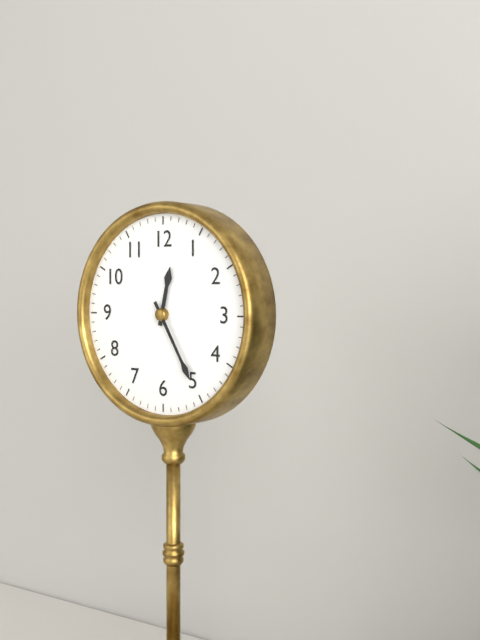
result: **12:25**
